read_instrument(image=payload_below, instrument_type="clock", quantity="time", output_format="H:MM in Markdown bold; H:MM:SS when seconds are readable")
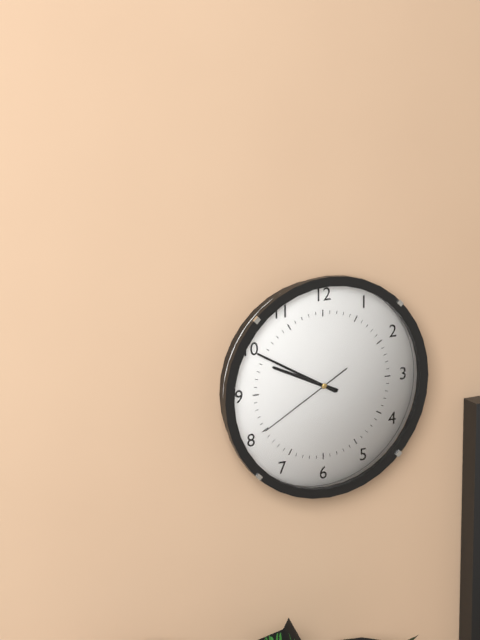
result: **9:50:40**
